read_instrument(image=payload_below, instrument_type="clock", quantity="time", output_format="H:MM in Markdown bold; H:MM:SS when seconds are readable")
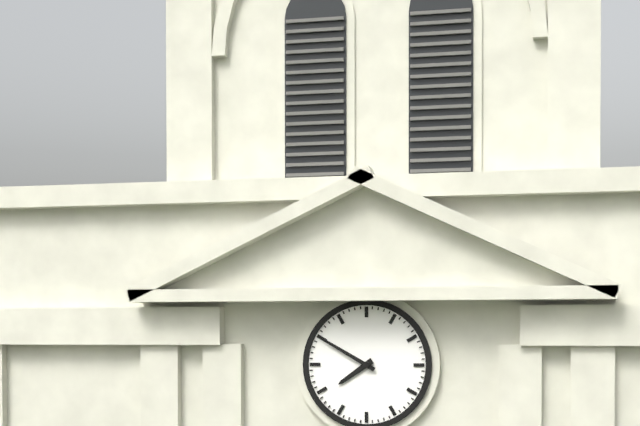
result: **7:50**
